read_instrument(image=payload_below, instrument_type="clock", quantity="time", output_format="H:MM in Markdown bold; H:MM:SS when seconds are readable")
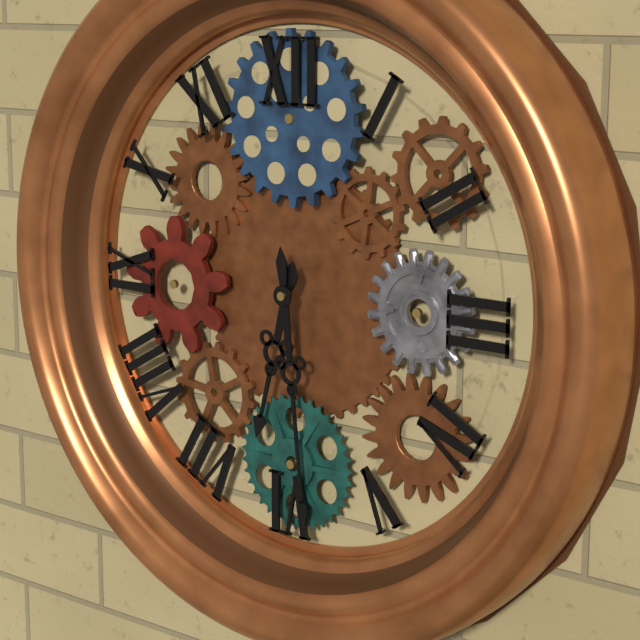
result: **6:29**
